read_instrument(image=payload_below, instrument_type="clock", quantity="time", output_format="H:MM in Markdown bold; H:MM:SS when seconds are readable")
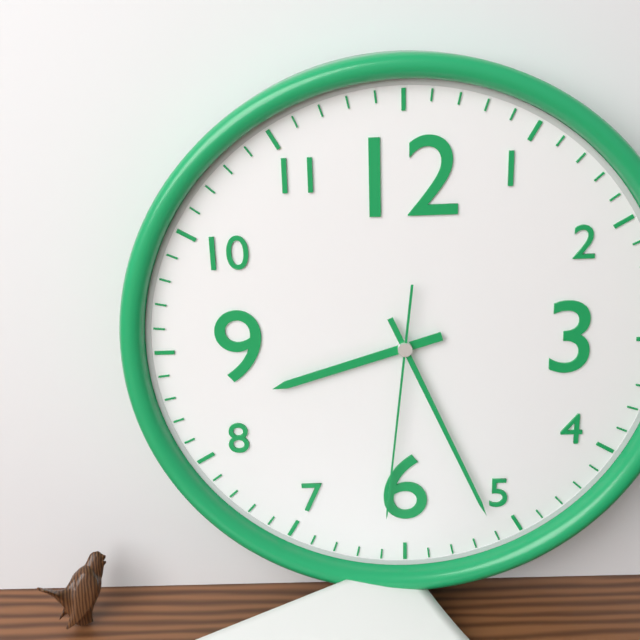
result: **8:26:31**
